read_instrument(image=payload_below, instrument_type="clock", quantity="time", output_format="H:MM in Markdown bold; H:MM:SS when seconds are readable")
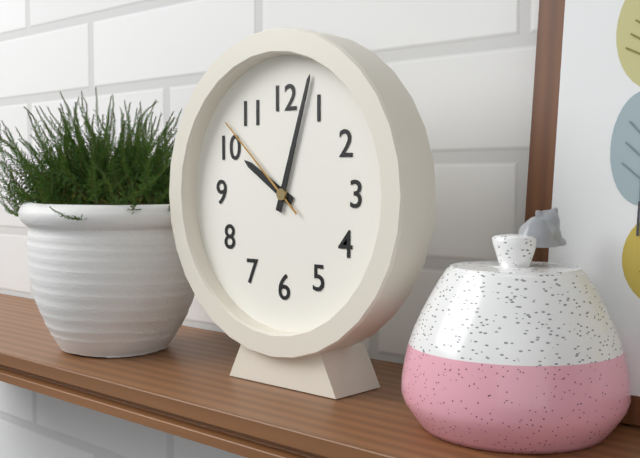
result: **10:03:52**
